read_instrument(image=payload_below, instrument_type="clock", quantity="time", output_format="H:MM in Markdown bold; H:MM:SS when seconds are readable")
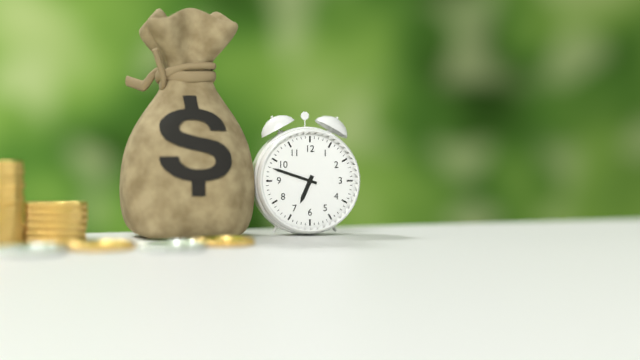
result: **6:48**
